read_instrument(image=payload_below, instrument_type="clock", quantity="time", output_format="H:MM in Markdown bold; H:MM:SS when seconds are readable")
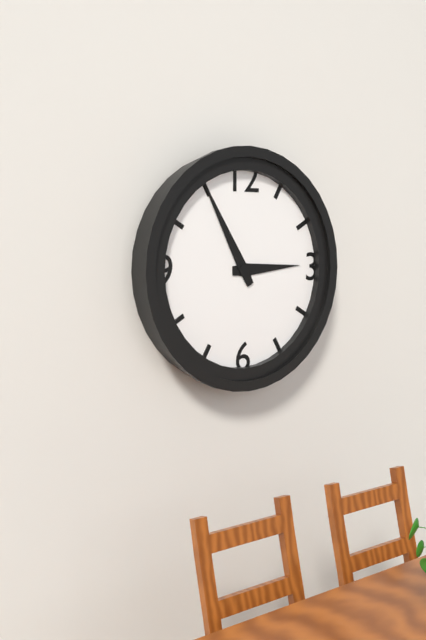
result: **2:55**
